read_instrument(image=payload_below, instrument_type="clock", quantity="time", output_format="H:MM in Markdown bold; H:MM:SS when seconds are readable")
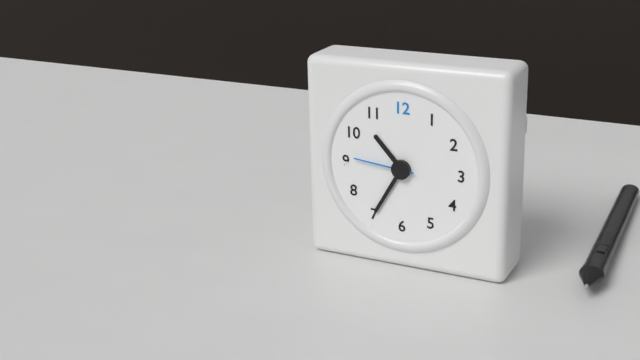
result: **10:35:46**
